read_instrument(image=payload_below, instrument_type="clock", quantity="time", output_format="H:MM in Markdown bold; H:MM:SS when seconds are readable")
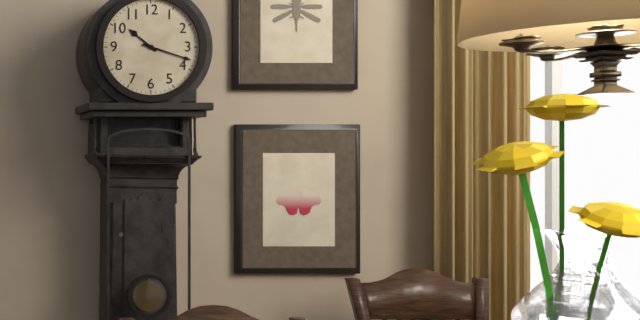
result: **10:18**
